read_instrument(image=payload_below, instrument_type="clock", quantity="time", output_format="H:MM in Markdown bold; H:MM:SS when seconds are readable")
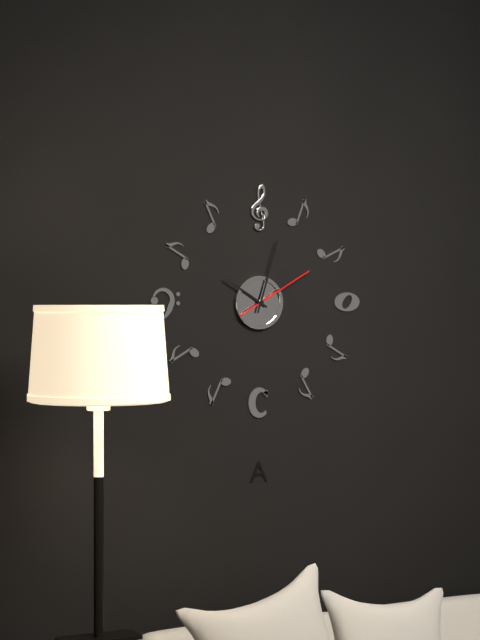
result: **10:03:10**
